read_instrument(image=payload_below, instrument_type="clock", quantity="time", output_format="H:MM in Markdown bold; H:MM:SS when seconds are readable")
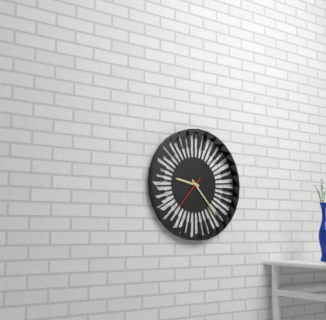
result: **9:23**
